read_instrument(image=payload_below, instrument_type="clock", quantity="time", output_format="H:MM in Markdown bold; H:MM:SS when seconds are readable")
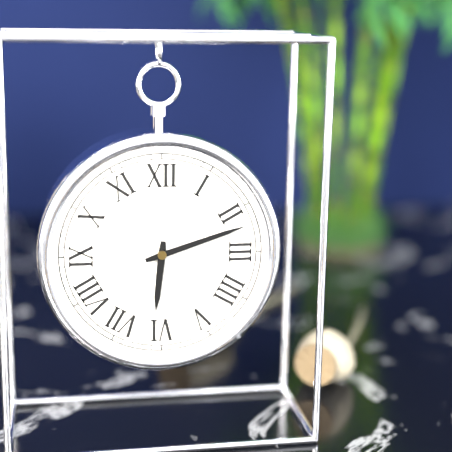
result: **6:12**
